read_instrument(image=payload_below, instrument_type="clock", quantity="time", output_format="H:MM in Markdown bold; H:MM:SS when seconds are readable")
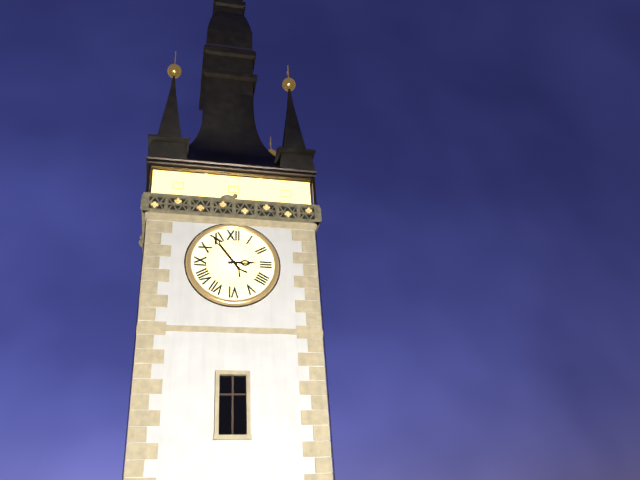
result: **2:54**
